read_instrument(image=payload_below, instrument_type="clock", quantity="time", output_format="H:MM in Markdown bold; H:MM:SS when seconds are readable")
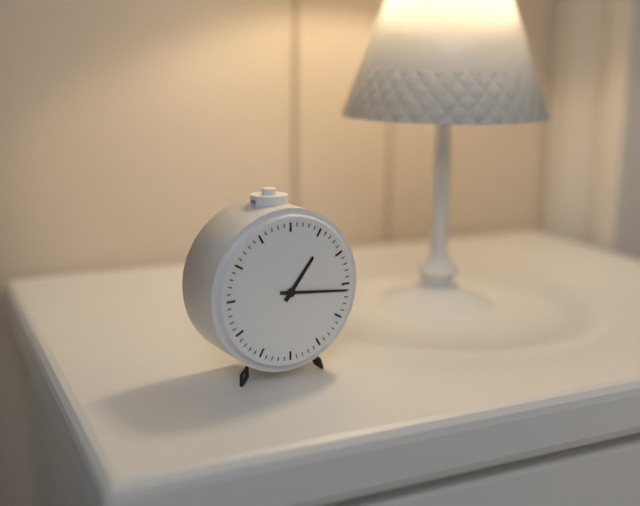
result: **1:16**
